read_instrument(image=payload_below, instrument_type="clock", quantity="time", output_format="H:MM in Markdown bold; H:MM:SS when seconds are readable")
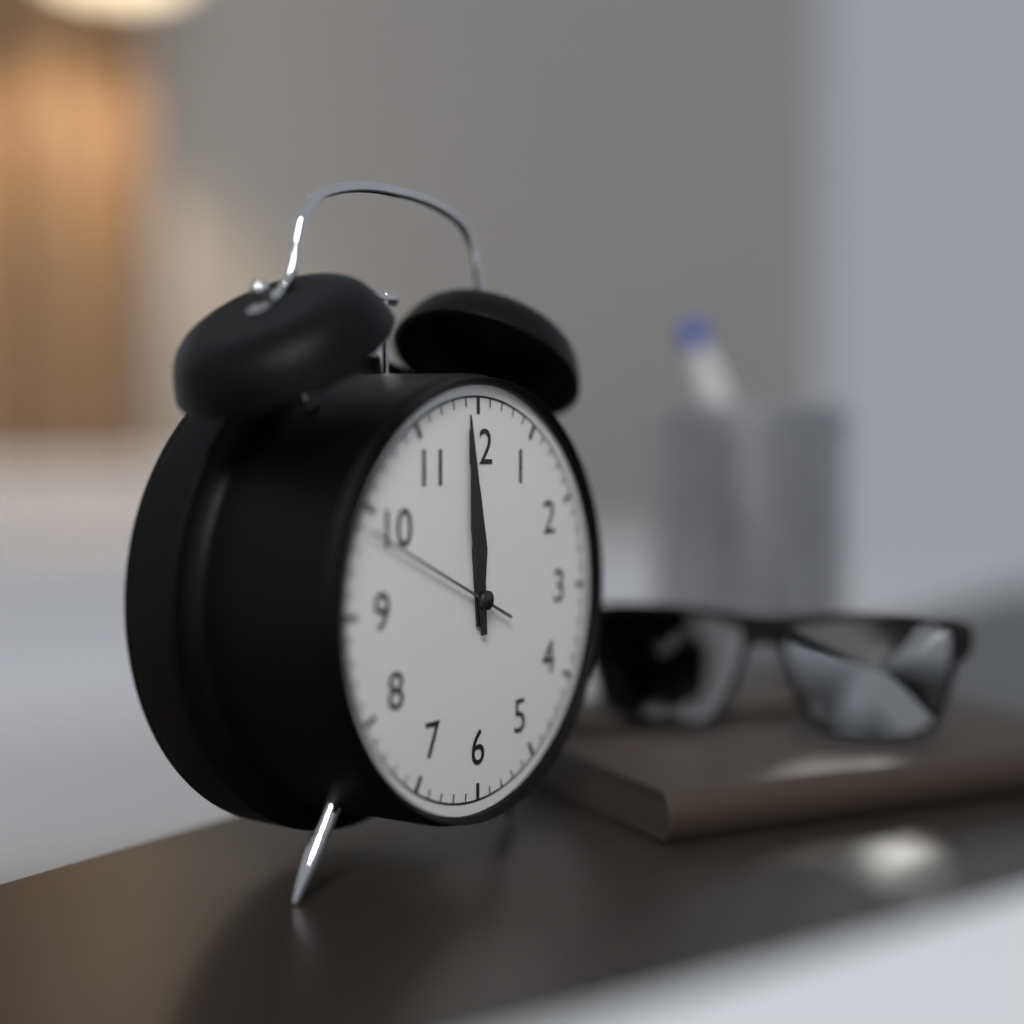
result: **11:59:49**
